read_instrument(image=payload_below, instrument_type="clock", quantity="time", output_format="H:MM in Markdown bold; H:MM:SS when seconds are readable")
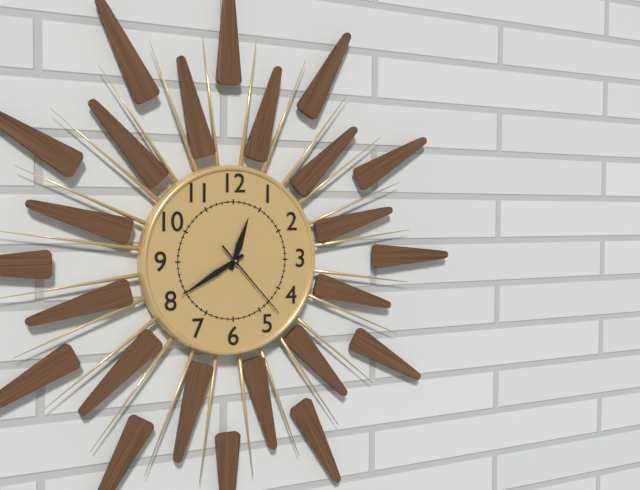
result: **12:40:23**
